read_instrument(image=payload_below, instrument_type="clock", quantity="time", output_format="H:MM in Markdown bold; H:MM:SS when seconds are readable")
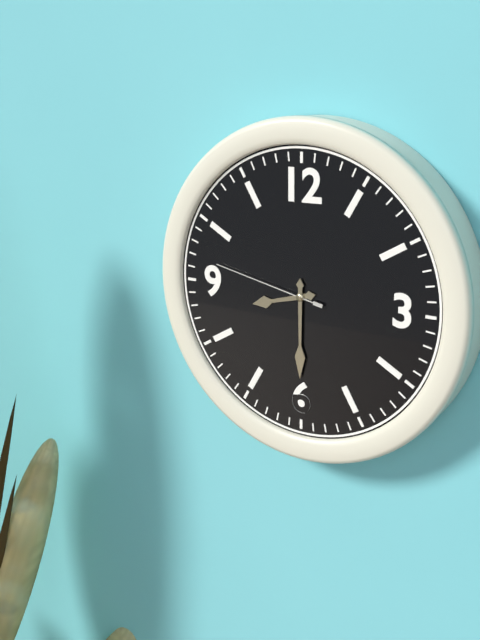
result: **8:30:47**
